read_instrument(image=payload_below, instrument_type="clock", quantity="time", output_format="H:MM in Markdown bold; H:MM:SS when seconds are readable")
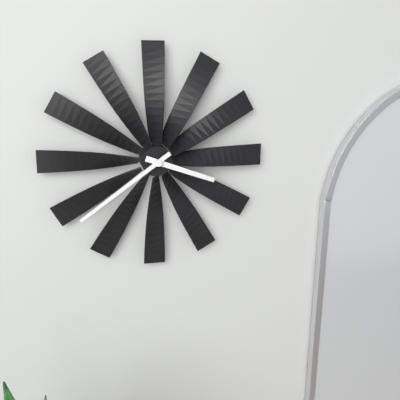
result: **3:39**
